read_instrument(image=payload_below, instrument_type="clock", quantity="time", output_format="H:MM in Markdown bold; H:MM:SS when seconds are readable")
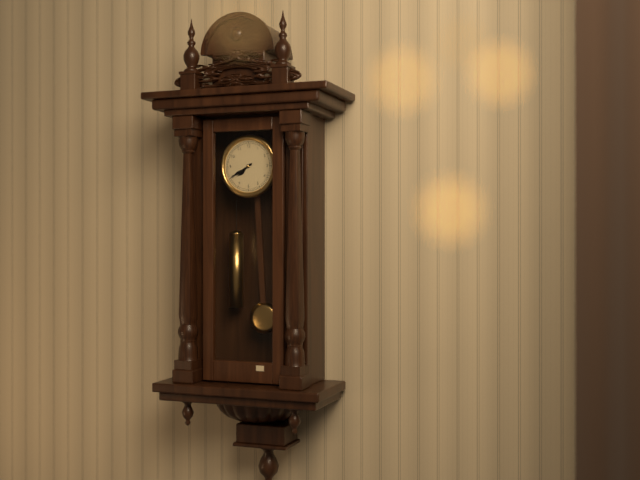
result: **7:40**
